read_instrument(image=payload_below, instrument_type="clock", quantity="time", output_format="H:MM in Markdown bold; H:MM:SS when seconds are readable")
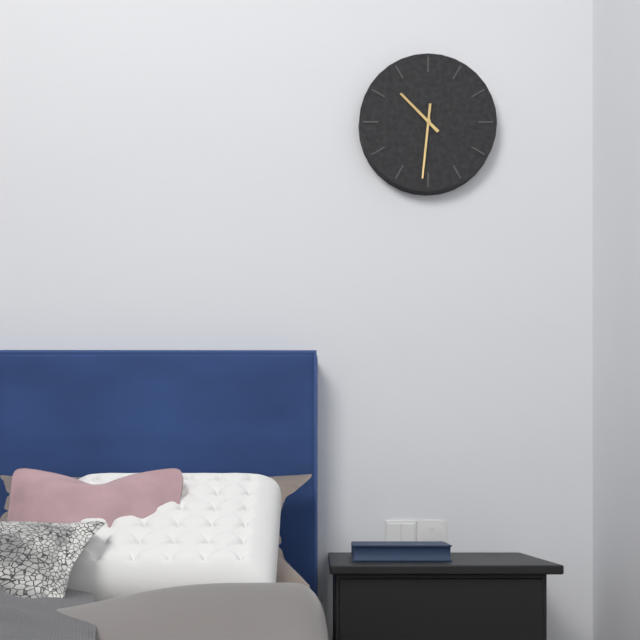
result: **10:31**
